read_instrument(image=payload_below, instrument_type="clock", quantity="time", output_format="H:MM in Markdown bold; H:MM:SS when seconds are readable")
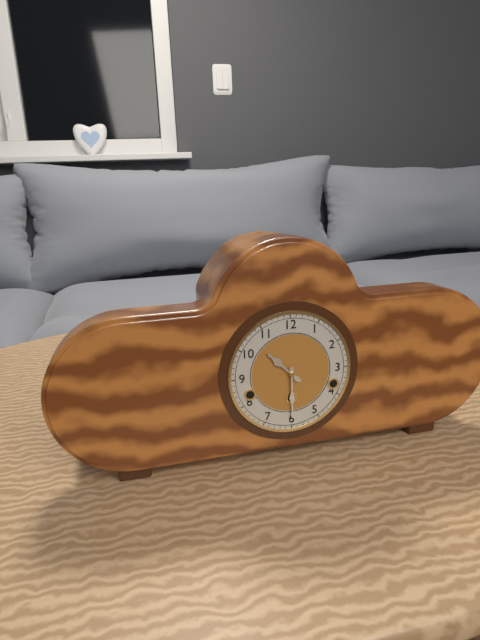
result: **10:30**
